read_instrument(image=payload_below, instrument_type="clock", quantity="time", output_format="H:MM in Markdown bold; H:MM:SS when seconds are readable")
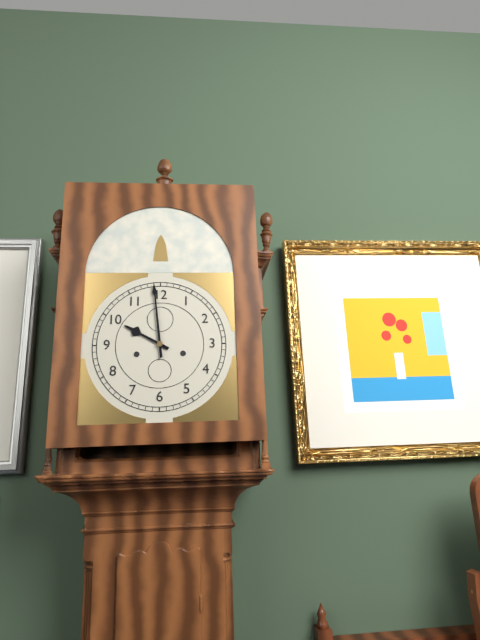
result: **9:59**
